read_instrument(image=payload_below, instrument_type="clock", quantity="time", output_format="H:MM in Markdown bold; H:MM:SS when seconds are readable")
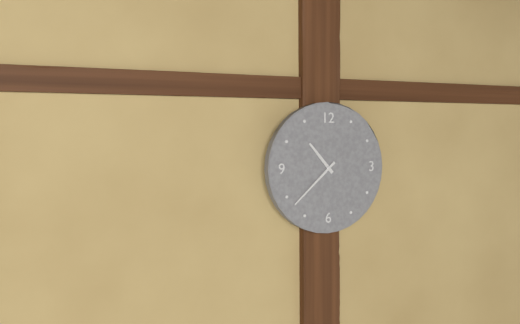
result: **10:38**
